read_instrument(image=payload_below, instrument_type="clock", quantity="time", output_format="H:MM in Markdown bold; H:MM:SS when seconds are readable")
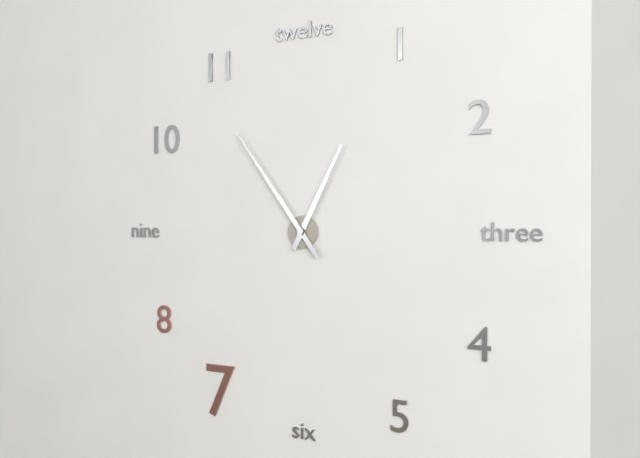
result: **12:54**
